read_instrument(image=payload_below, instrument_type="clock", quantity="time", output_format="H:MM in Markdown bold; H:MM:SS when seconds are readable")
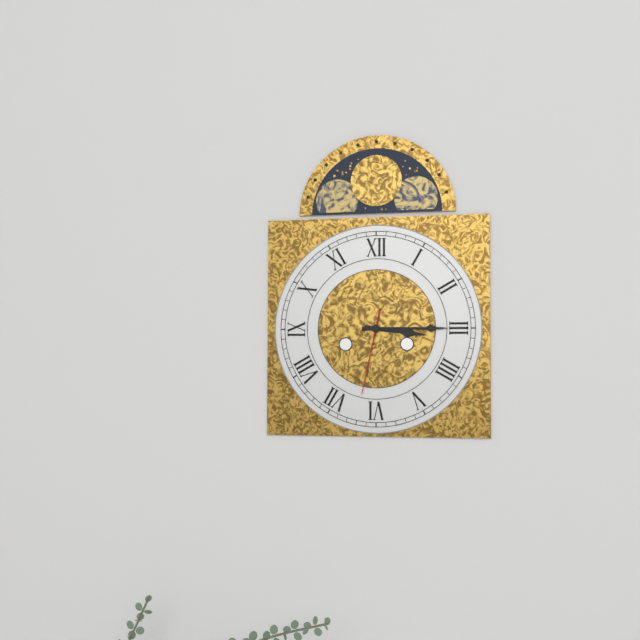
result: **3:15:32**
